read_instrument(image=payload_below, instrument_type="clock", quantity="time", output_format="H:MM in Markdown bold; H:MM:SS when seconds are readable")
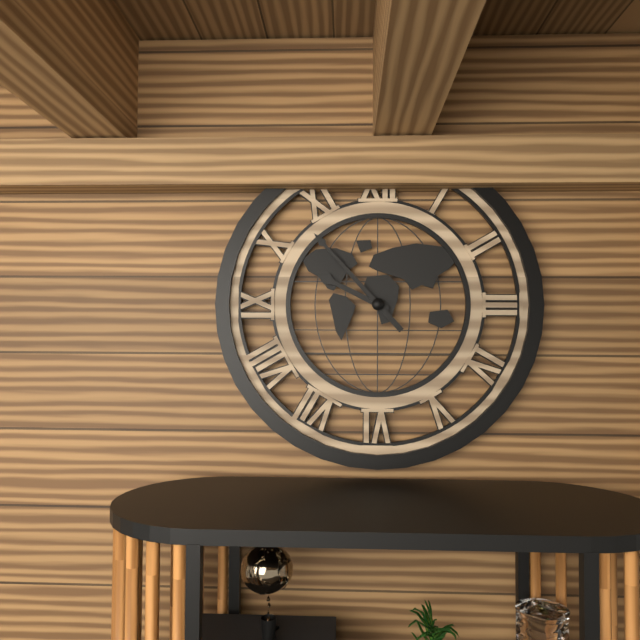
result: **9:53**
